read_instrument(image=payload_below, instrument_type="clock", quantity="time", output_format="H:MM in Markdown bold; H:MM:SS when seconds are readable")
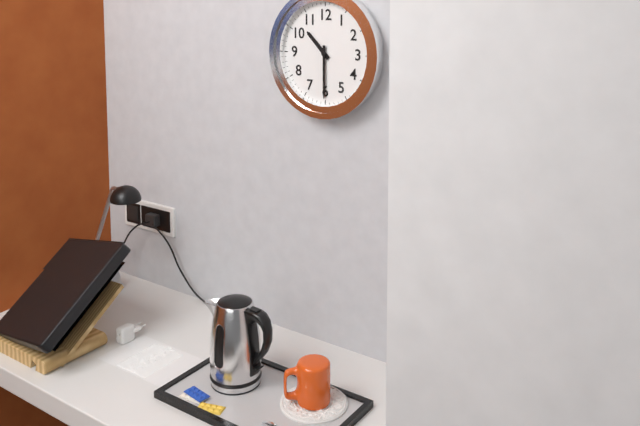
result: **10:30**
